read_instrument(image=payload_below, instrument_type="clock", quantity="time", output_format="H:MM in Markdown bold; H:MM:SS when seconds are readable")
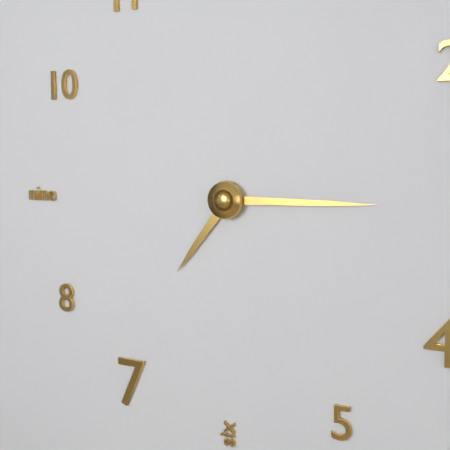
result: **7:15**
